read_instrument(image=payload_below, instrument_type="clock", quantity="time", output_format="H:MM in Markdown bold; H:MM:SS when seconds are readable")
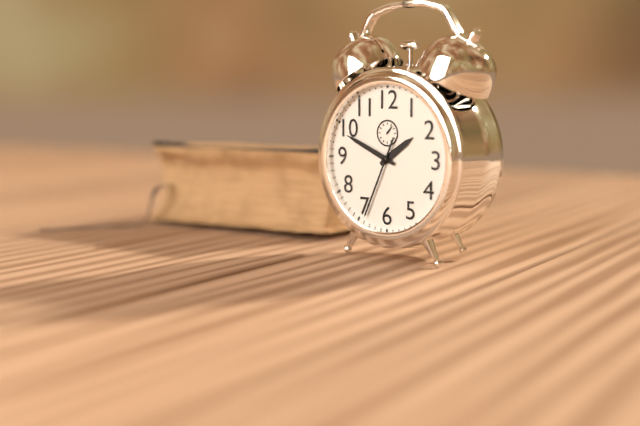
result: **1:49:34**
